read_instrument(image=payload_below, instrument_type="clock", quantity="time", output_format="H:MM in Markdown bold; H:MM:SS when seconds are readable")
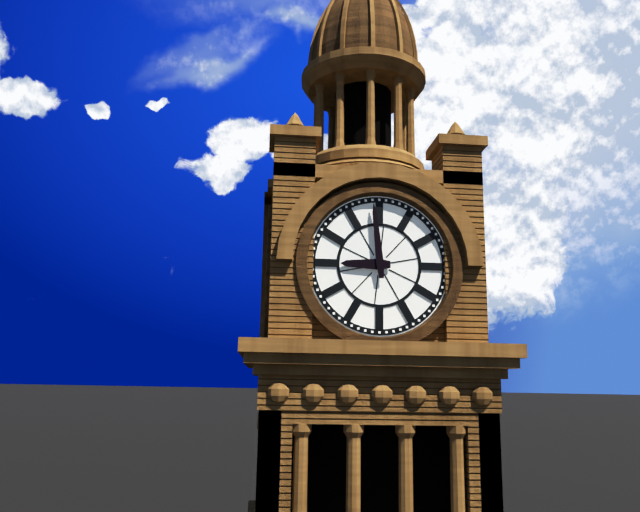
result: **8:59**
